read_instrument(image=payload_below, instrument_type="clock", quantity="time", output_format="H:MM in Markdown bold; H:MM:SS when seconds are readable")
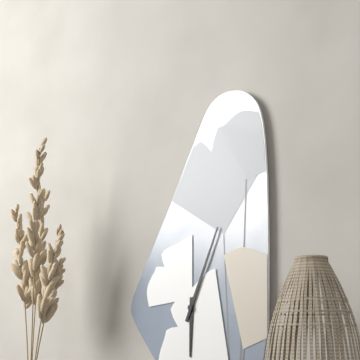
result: **6:04**
